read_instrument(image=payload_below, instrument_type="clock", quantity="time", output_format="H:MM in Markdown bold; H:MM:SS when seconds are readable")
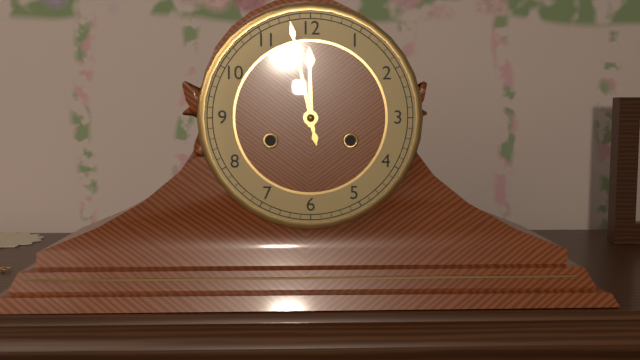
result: **11:58**
